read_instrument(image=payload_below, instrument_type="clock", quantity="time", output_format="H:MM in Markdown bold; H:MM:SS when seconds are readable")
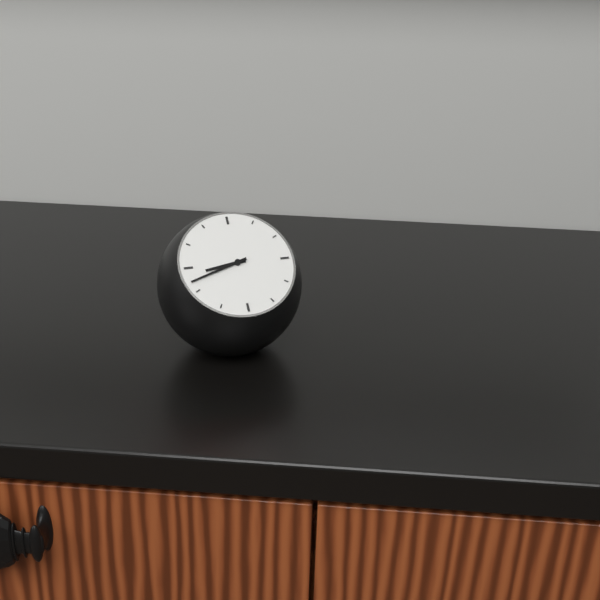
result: **8:42**
